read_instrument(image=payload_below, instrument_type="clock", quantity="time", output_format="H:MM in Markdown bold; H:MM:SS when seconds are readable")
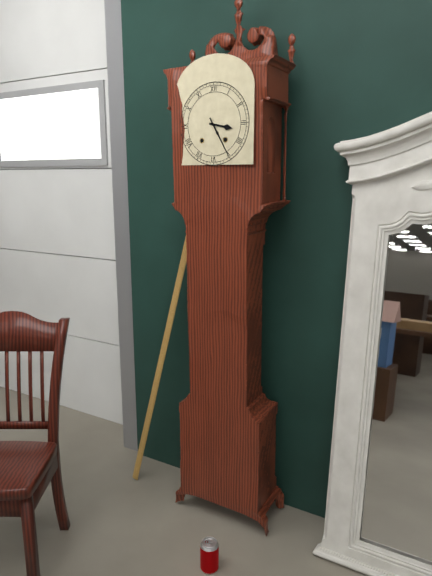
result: **3:25**
